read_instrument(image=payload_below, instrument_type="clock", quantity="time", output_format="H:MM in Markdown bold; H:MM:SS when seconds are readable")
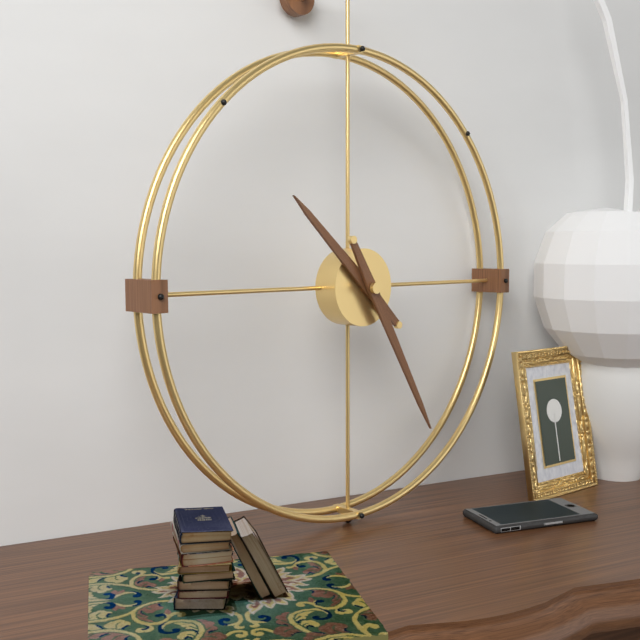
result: **10:25**
